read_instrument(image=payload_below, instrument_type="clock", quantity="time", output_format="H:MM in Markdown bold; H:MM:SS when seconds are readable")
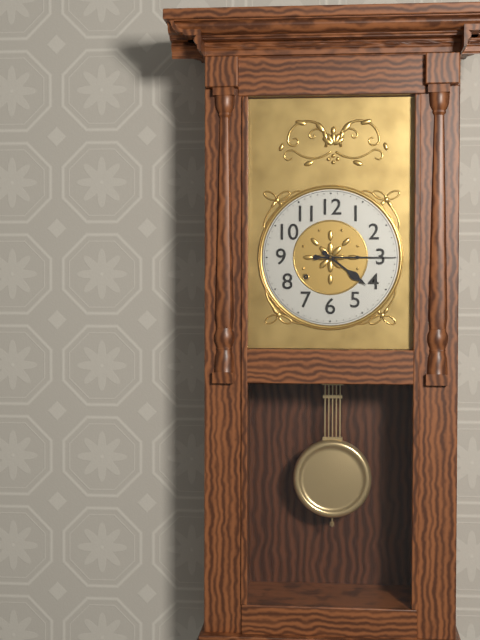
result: **4:15**
